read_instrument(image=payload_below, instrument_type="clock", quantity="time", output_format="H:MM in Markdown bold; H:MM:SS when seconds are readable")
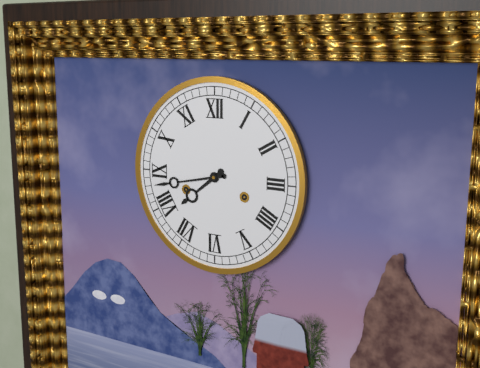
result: **7:43**
